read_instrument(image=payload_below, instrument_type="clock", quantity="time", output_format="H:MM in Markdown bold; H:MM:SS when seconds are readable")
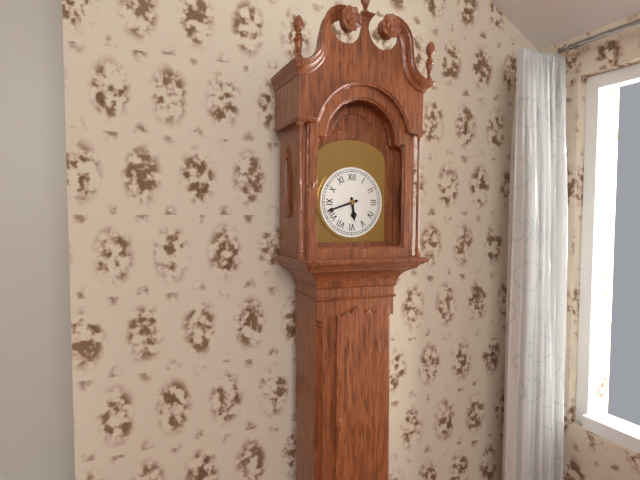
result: **5:42**
